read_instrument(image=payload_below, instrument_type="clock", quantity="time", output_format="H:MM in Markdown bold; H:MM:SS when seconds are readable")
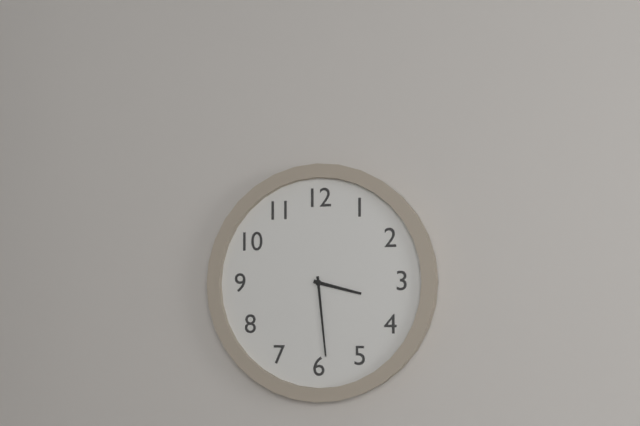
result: **3:29**
